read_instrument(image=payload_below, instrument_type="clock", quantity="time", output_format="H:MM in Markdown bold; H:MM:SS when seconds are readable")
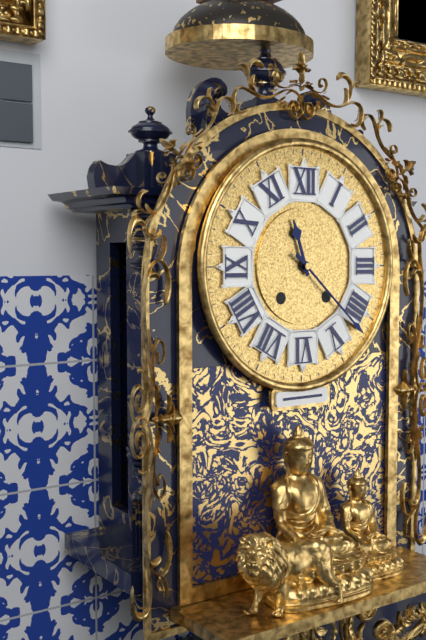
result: **11:22**
